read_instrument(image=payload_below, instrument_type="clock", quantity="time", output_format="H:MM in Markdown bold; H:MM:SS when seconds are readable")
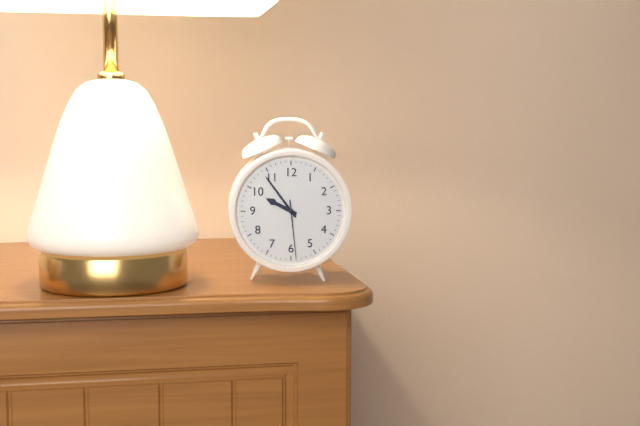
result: **9:54:29**
